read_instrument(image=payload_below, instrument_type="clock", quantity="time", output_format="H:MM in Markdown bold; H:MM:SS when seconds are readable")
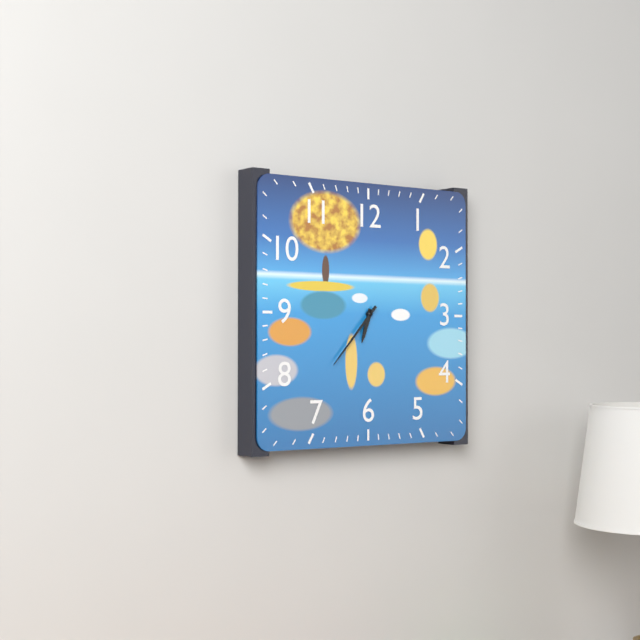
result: **6:37**
